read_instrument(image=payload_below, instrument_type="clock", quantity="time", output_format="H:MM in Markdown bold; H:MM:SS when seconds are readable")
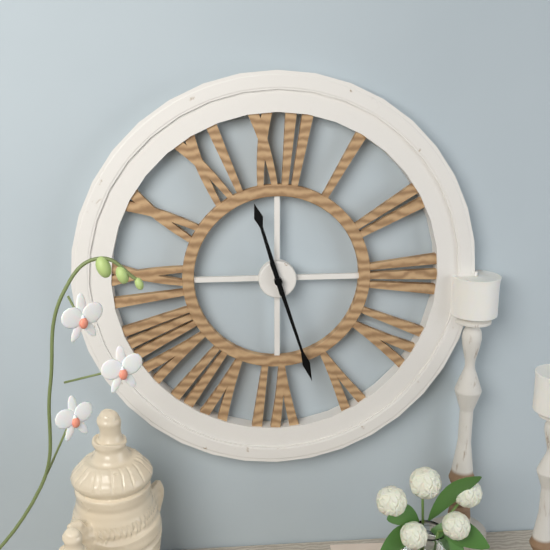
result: **11:27**
